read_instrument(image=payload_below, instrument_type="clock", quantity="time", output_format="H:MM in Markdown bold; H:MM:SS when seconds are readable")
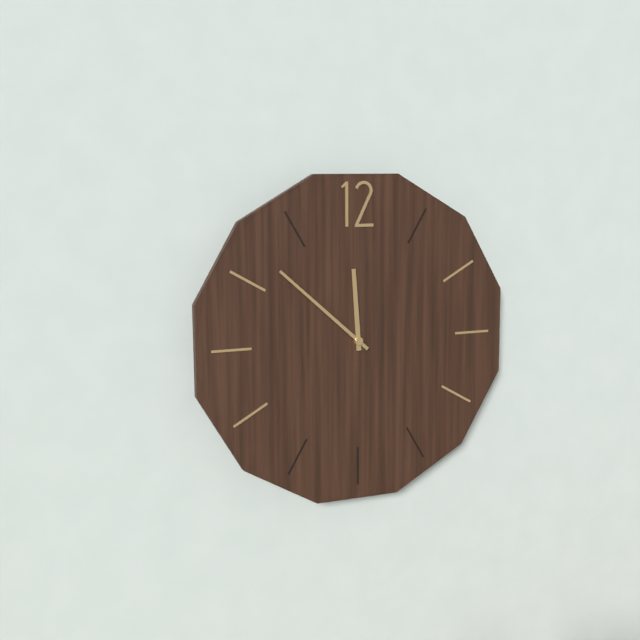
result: **11:52**
